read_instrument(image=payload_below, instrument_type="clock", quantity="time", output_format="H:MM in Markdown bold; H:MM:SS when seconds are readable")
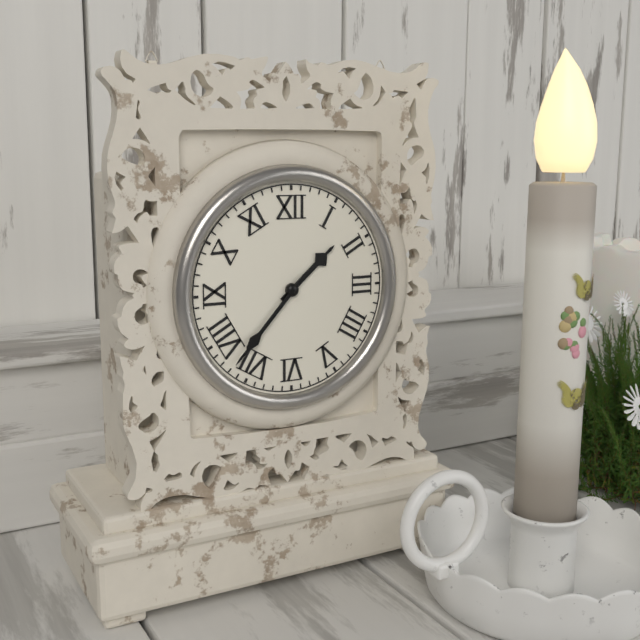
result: **1:37**
